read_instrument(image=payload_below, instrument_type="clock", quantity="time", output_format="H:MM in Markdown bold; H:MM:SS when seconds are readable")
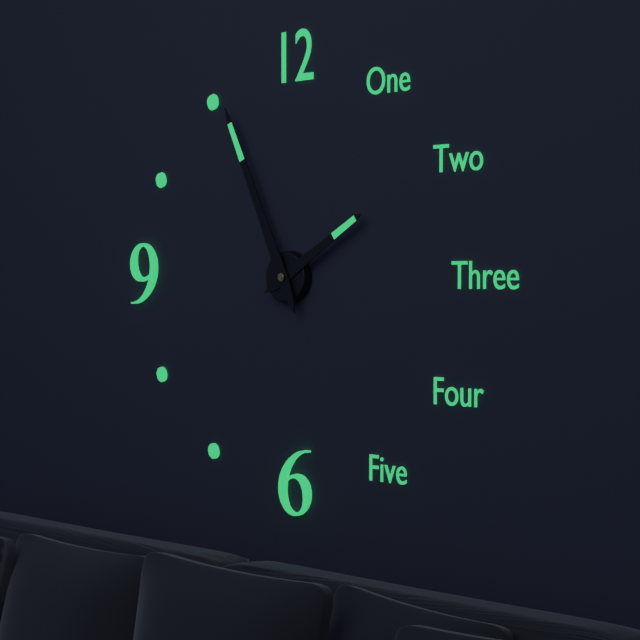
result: **1:56**
